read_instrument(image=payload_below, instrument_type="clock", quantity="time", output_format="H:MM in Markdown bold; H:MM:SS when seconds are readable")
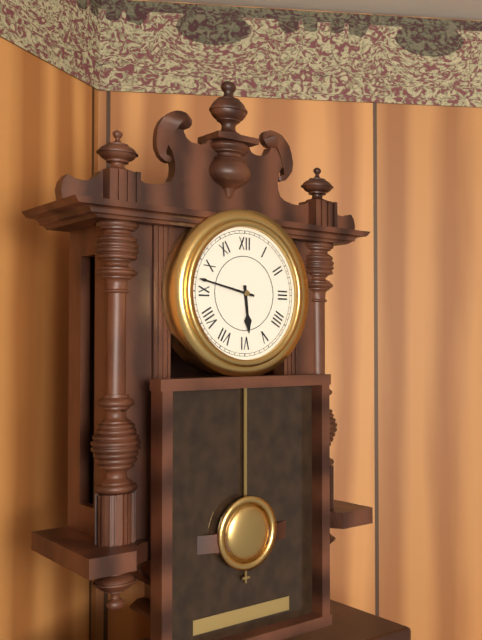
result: **5:47**
